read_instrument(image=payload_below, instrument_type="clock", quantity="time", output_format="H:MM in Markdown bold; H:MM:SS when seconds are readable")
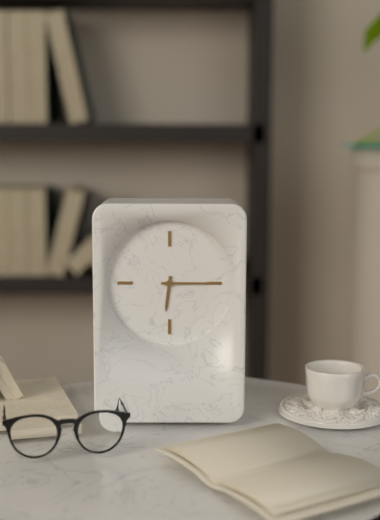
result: **6:15**
